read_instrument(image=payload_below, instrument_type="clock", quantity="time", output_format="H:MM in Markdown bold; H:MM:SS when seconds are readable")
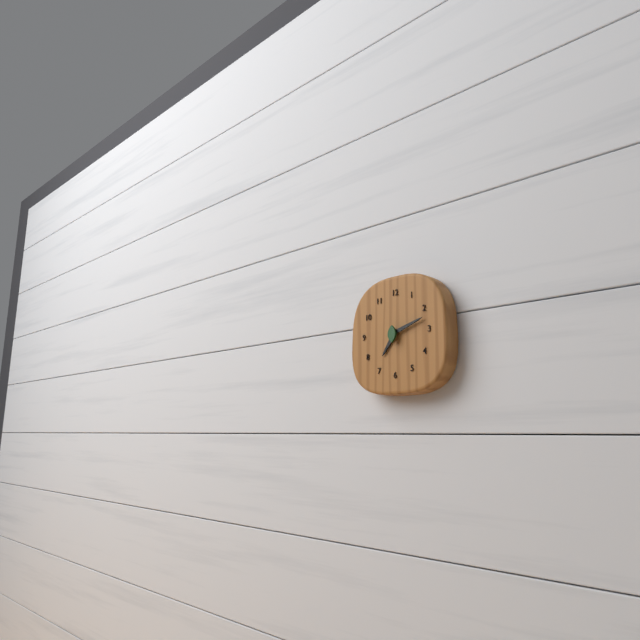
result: **7:12**
